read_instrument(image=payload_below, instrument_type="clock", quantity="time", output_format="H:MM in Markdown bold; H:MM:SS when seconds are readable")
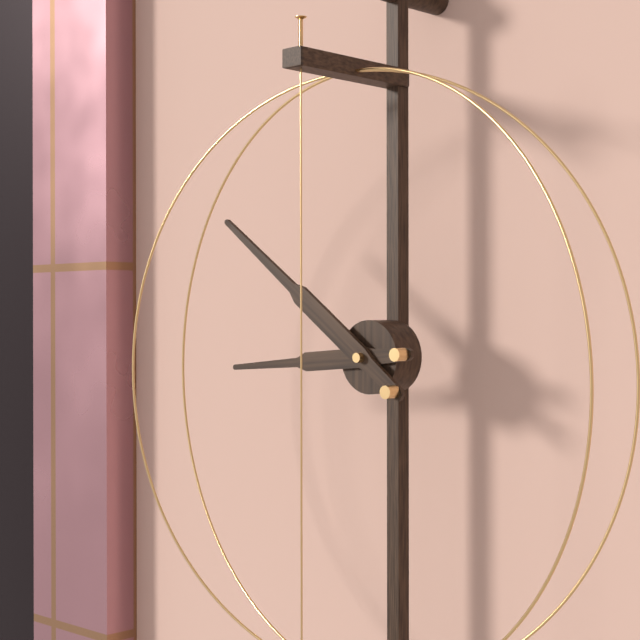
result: **8:51**
